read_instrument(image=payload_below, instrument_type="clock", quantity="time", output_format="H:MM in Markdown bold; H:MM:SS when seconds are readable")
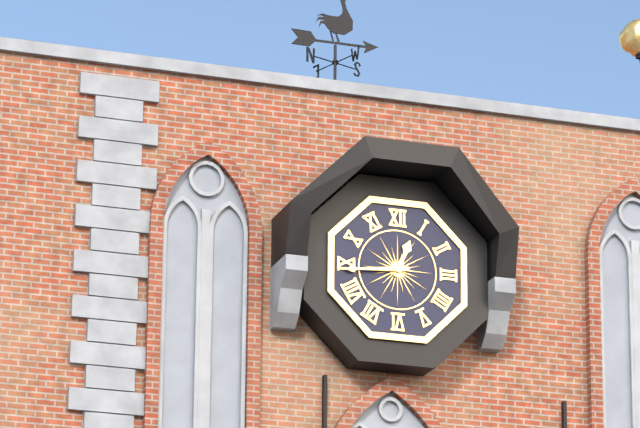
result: **12:44**
